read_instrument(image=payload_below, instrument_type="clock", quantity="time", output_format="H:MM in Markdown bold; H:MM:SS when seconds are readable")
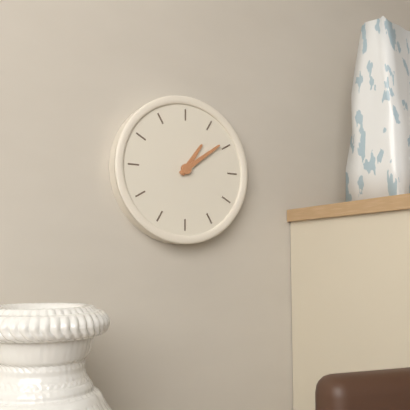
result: **1:09**
